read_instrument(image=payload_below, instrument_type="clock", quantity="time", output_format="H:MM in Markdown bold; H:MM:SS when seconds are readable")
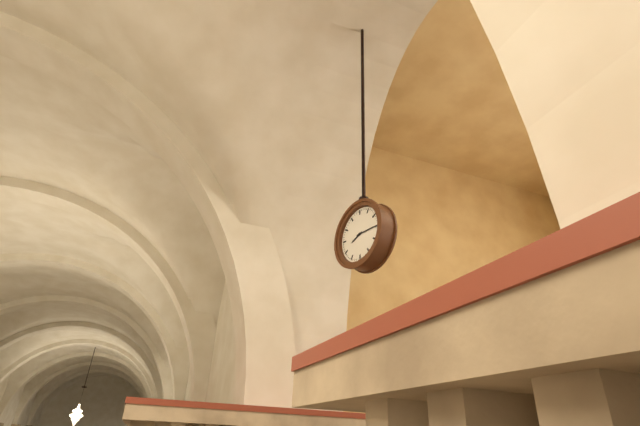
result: **8:15**
